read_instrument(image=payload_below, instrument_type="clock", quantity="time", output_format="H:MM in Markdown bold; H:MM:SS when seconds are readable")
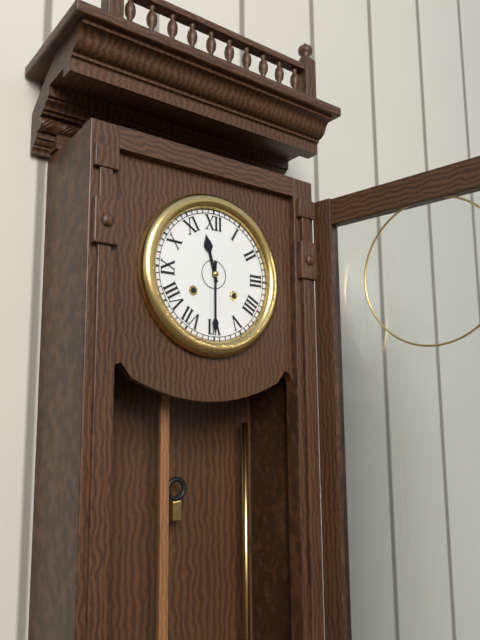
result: **11:30**
